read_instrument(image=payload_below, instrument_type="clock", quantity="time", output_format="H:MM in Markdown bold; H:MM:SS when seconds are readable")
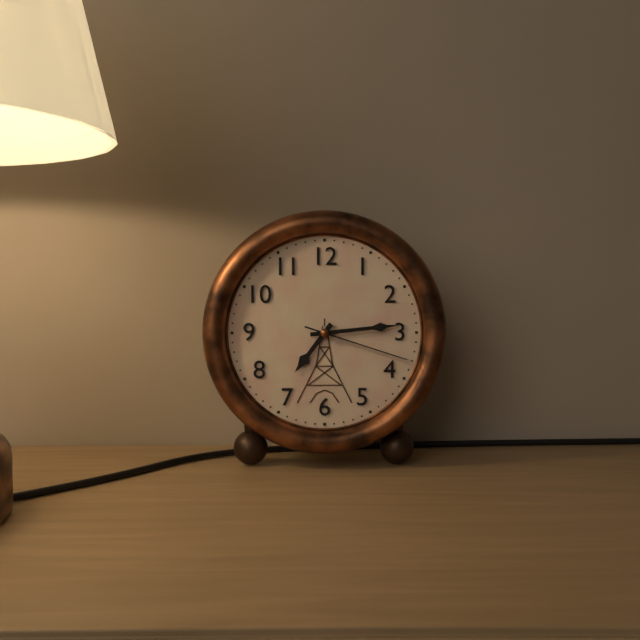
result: **7:14:18**
